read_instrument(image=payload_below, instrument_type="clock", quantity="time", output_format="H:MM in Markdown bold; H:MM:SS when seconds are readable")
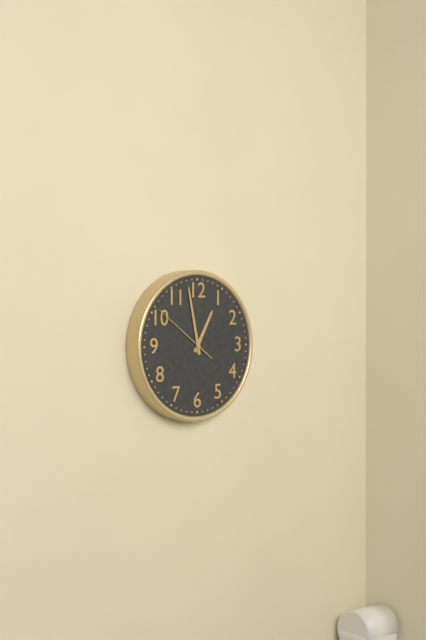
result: **12:58:51**
